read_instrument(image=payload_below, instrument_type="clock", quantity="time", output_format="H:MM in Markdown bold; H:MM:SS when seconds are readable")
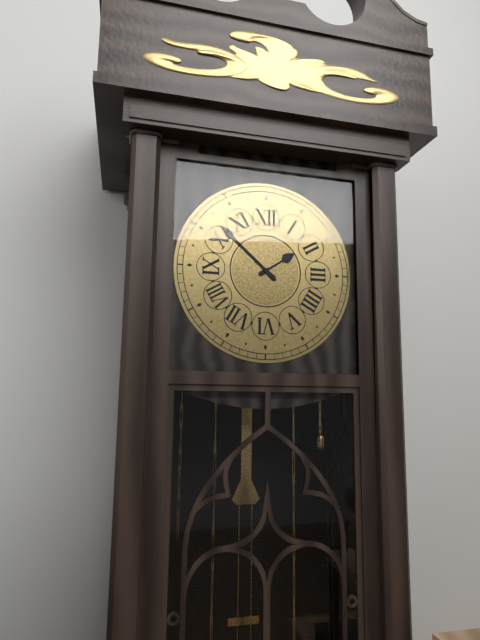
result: **1:52**
